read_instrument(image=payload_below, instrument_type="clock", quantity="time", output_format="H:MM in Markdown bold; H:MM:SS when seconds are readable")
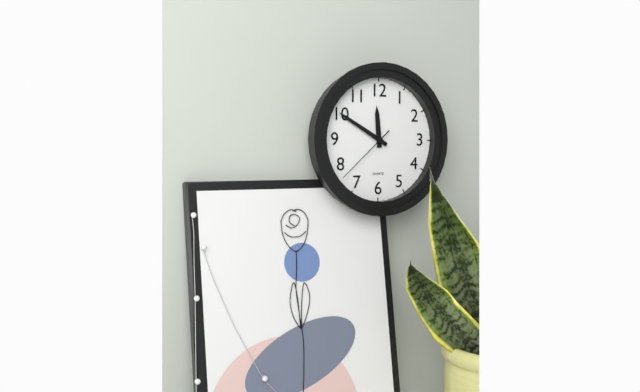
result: **11:50:38**
